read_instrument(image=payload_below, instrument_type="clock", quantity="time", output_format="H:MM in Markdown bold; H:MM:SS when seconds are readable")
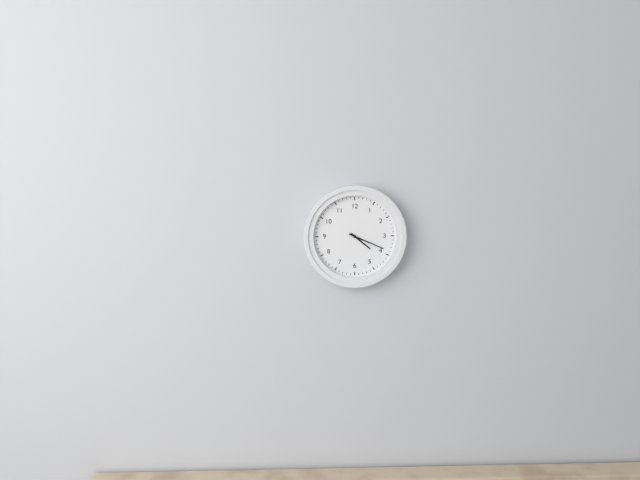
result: **4:19**
